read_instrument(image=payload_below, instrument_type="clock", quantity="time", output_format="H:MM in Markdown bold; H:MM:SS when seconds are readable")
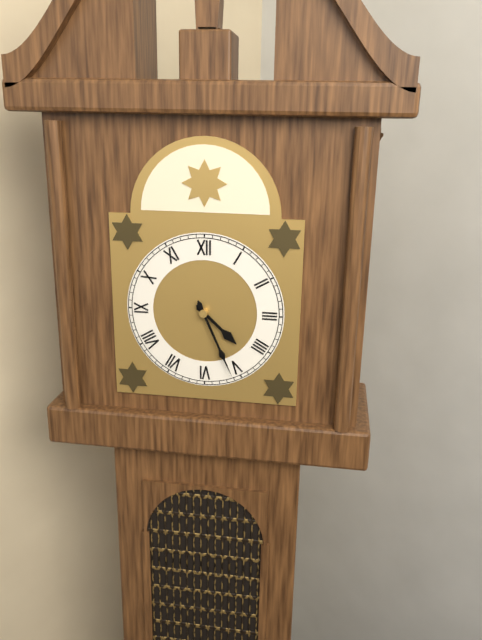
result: **4:26**
